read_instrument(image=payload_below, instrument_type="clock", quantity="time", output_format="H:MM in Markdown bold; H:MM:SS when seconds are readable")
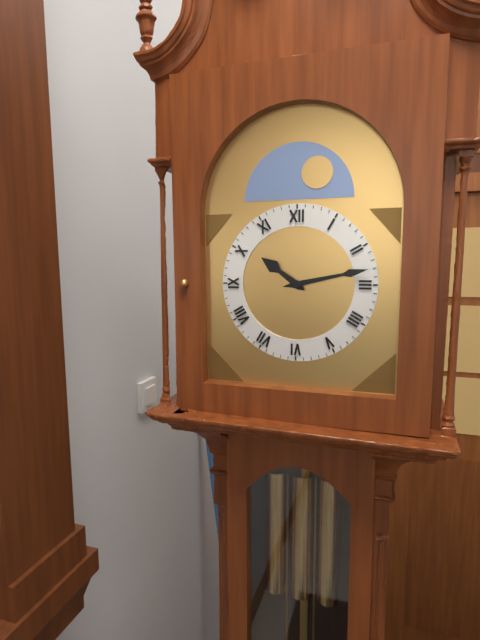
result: **10:13**
